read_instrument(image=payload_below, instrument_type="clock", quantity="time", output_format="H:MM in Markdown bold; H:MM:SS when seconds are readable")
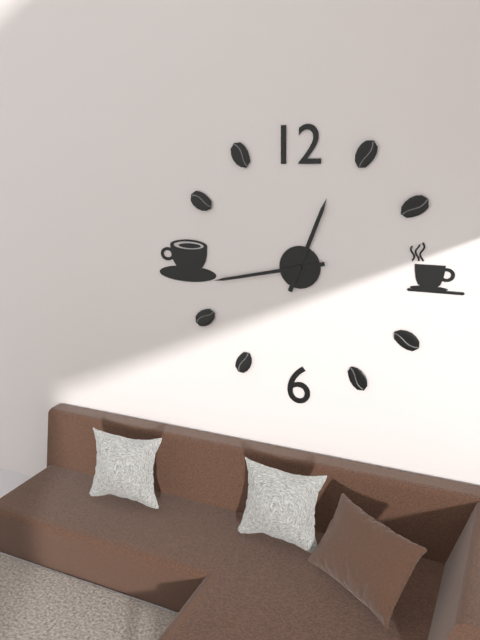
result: **12:43**
